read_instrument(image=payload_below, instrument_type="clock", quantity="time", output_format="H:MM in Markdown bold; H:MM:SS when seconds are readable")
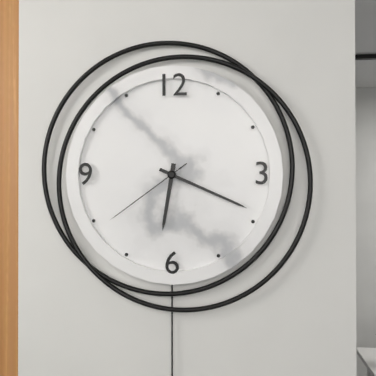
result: **6:19:39**
